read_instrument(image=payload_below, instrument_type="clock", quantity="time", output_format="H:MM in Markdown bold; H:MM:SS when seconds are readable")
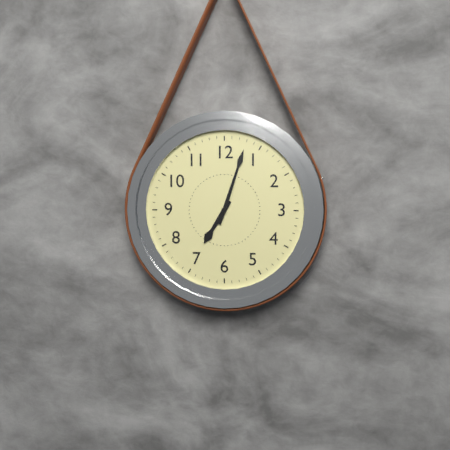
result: **7:03**
